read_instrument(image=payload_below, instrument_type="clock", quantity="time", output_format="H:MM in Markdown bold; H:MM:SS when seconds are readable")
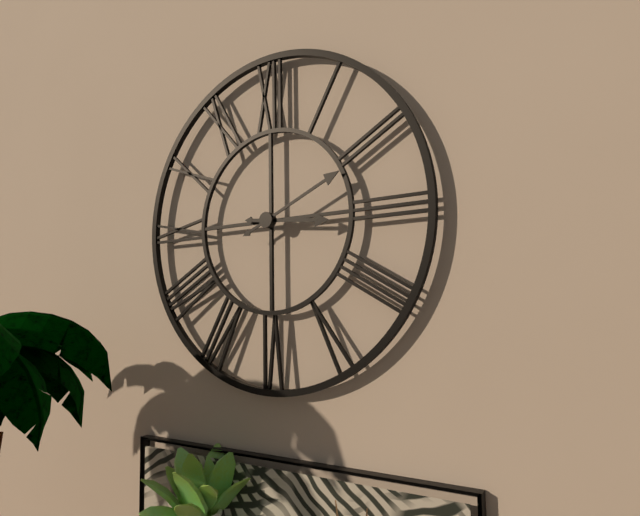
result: **3:11**
